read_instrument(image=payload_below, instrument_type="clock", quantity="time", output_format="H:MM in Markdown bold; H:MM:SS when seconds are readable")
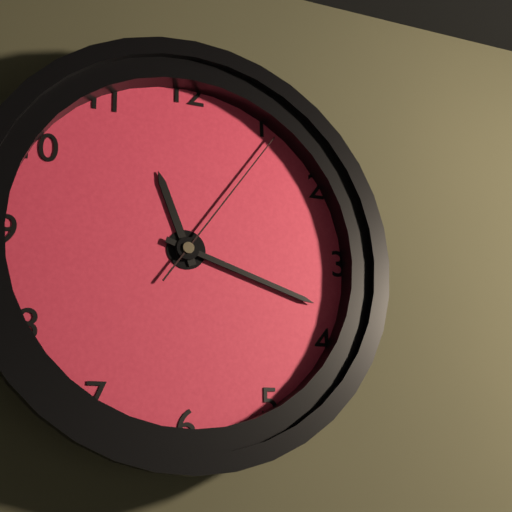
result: **11:18:06**
